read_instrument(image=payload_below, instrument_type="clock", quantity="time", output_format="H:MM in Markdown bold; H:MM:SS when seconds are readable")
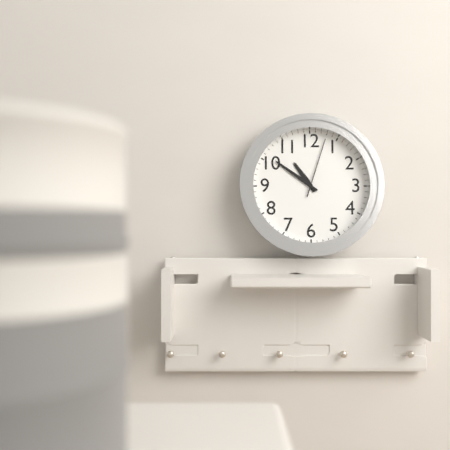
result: **10:51:03**
